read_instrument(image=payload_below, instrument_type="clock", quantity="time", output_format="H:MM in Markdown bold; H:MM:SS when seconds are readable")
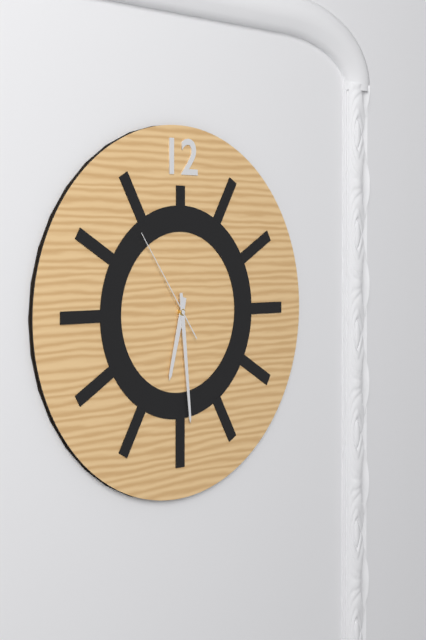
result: **6:29:54**
